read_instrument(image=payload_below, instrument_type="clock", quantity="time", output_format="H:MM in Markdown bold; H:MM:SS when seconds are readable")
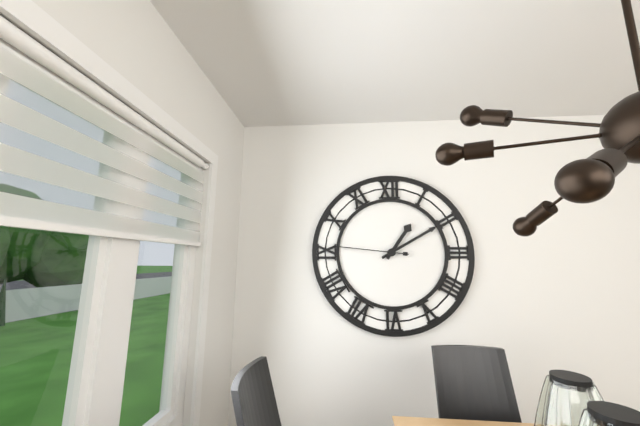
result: **1:10:46**
